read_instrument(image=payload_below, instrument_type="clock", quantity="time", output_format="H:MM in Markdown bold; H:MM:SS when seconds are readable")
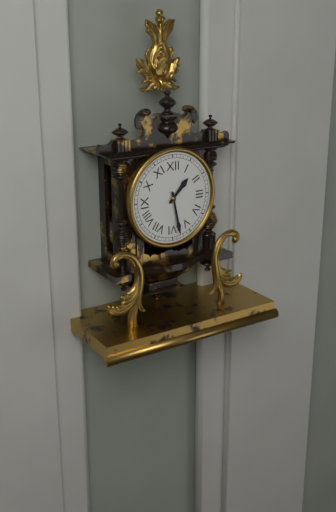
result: **1:28**
